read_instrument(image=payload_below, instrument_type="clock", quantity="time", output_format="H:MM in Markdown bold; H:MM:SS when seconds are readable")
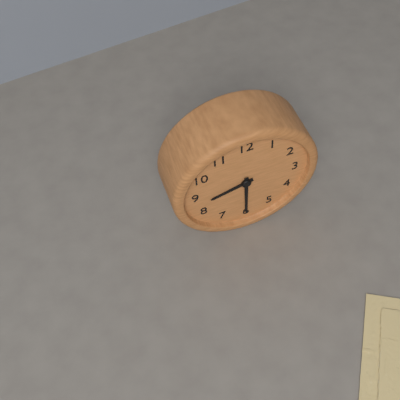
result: **8:30**
